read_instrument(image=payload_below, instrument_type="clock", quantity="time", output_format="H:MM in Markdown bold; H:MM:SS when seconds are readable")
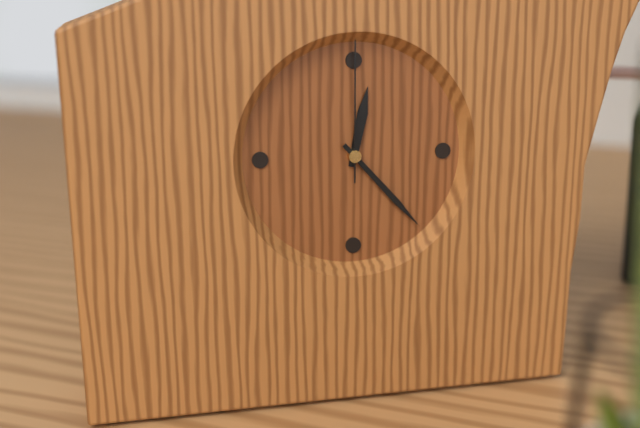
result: **12:23:00**
